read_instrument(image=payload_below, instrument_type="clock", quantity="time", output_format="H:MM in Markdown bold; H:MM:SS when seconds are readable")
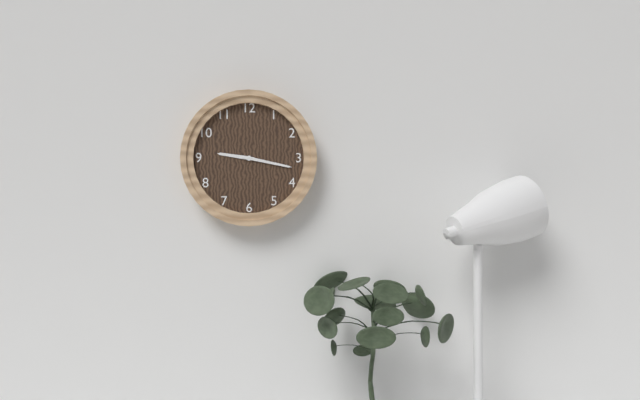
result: **9:17**
